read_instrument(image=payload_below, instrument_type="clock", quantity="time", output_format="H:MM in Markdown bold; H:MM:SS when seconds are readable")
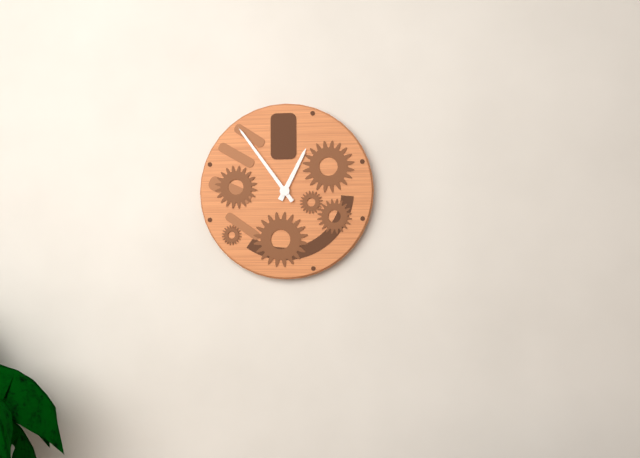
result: **12:54**
